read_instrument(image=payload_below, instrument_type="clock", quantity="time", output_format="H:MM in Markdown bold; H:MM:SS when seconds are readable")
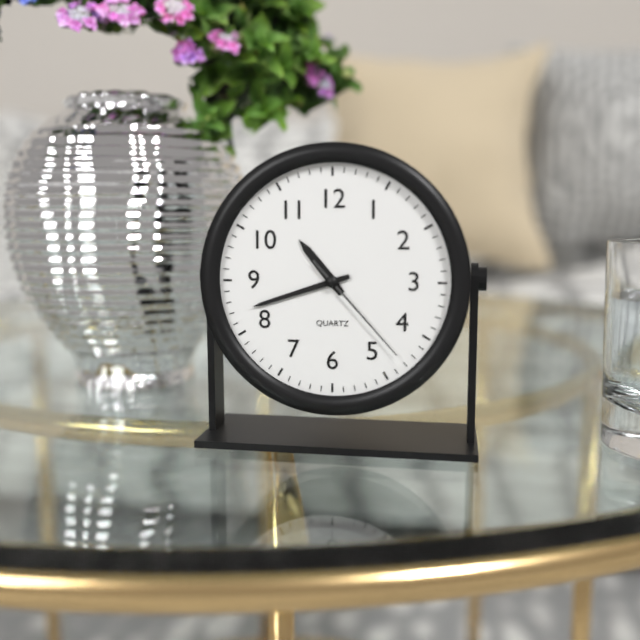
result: **10:42:23**
